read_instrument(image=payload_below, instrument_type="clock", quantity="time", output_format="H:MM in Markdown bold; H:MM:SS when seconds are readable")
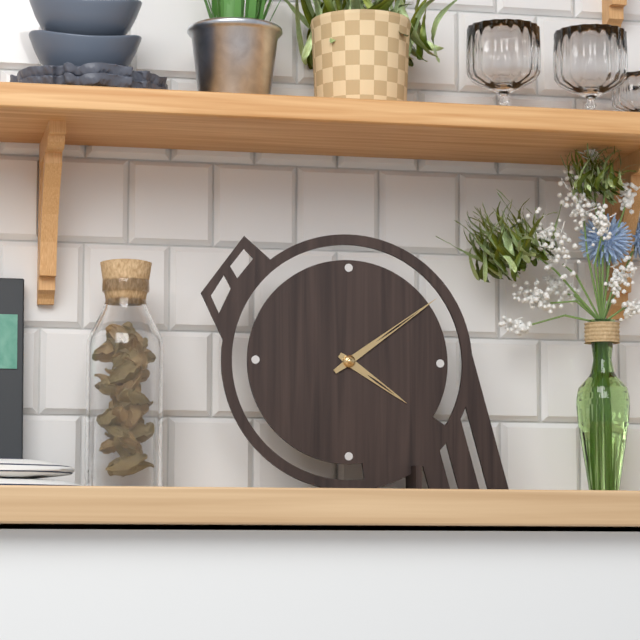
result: **4:09**
